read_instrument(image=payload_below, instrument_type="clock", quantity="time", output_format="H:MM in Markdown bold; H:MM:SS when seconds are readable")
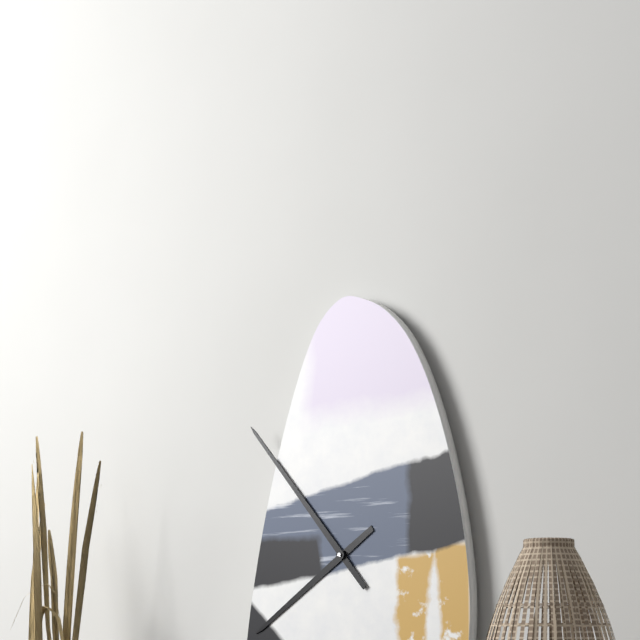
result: **7:53**
